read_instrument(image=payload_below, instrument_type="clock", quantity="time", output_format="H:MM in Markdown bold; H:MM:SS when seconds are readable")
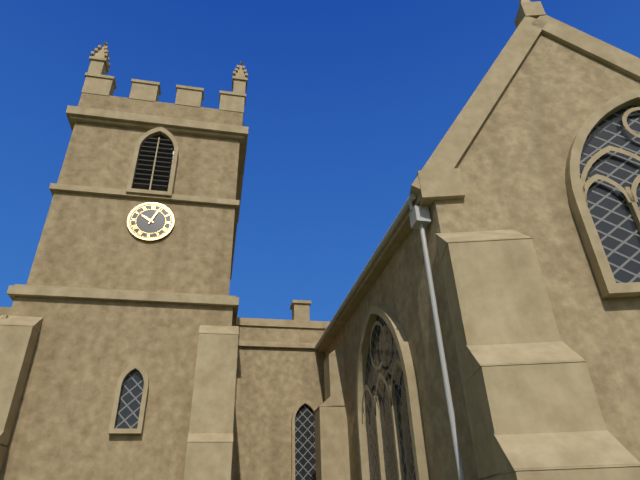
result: **10:04**
